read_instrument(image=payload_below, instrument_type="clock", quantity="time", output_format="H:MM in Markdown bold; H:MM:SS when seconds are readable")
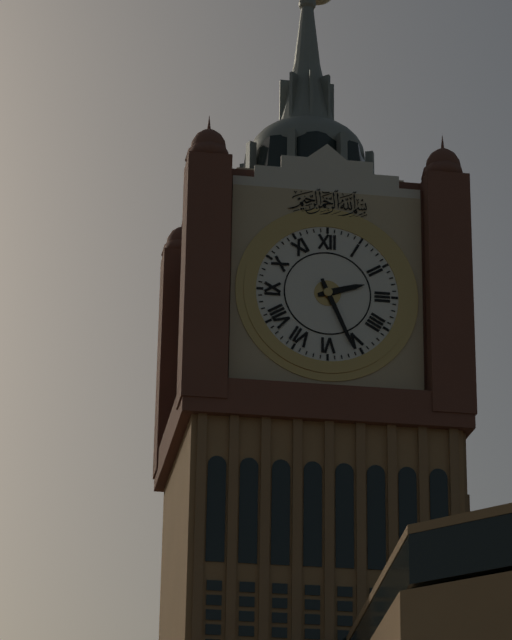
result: **2:26**
